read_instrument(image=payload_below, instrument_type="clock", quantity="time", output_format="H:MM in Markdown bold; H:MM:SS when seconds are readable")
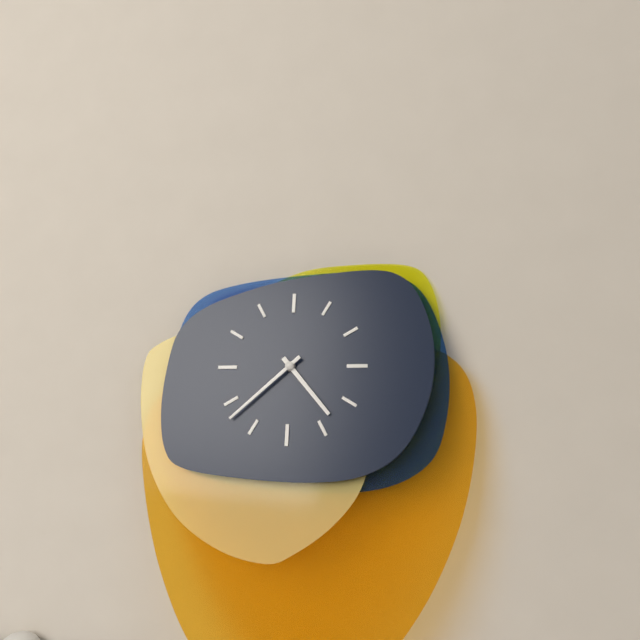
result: **4:38**
